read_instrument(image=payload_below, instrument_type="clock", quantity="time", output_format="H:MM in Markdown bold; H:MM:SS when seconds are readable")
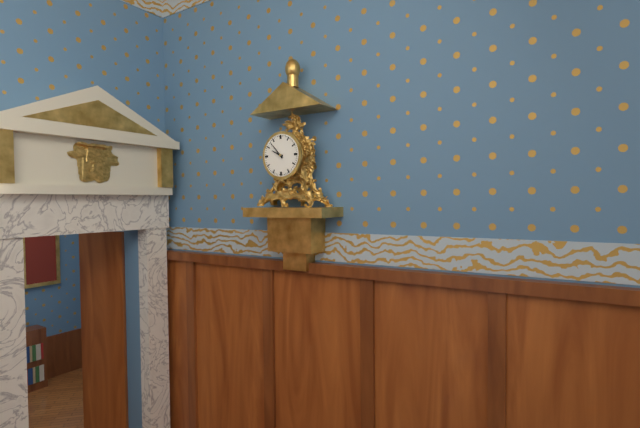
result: **9:53**
